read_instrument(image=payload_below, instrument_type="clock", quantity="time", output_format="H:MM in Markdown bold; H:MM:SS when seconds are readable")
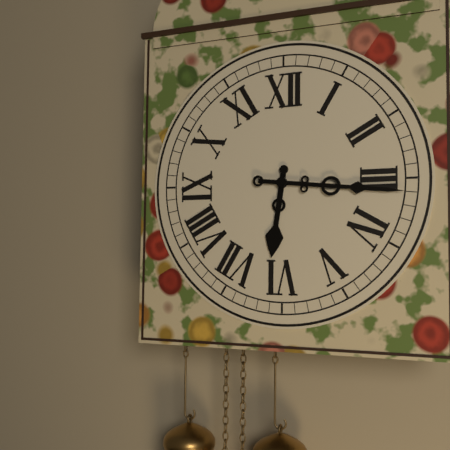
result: **6:16**
